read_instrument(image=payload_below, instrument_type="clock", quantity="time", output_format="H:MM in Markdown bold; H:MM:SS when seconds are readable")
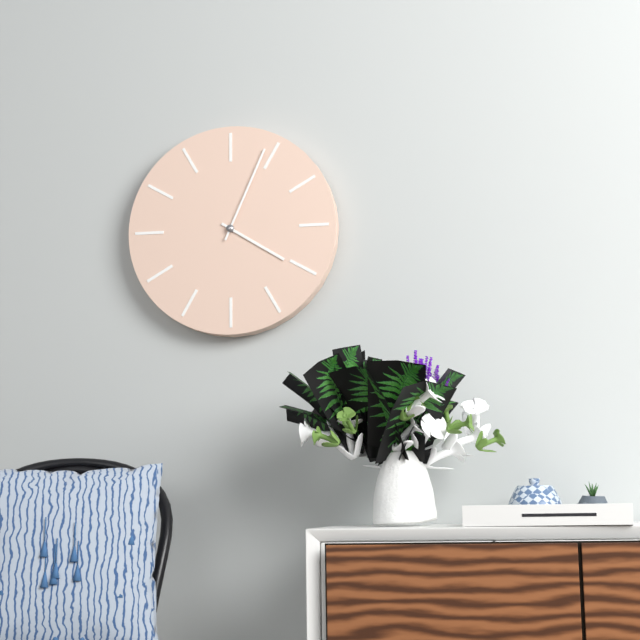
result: **4:04**
